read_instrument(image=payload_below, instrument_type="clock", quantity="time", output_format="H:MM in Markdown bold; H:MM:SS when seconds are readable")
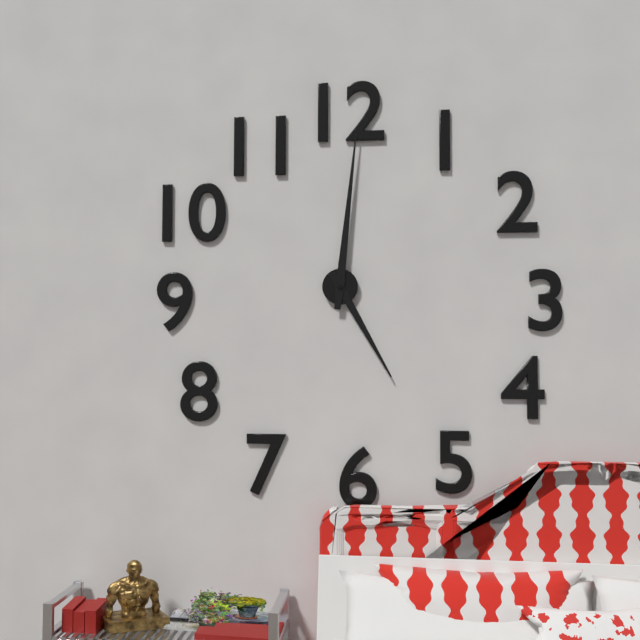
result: **5:01**
